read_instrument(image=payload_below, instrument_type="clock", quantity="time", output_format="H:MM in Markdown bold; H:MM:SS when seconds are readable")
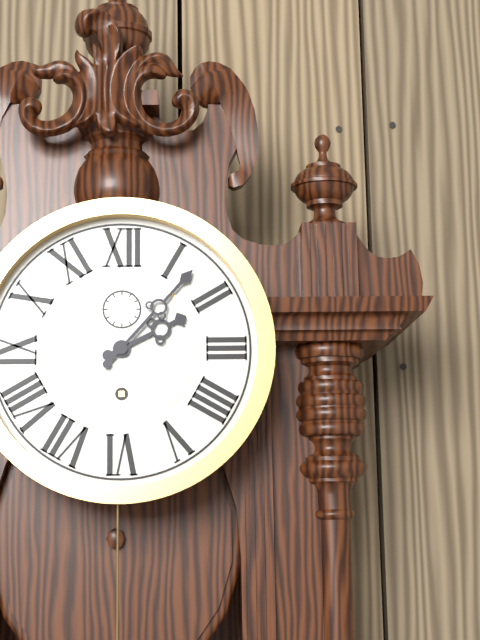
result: **2:07**
